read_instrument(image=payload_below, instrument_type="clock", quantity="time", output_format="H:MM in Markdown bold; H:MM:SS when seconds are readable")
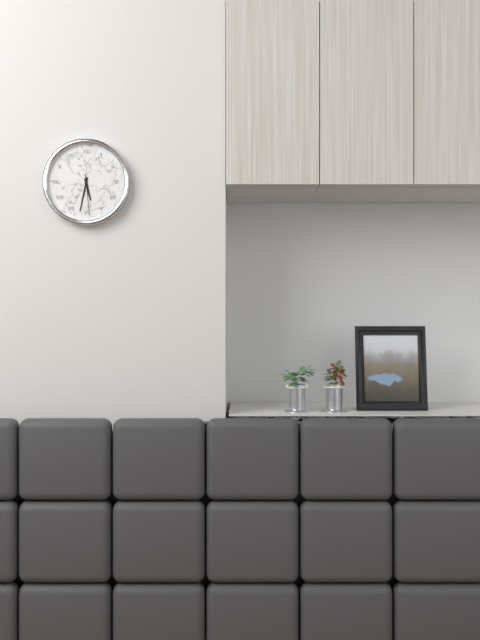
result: **5:32**
